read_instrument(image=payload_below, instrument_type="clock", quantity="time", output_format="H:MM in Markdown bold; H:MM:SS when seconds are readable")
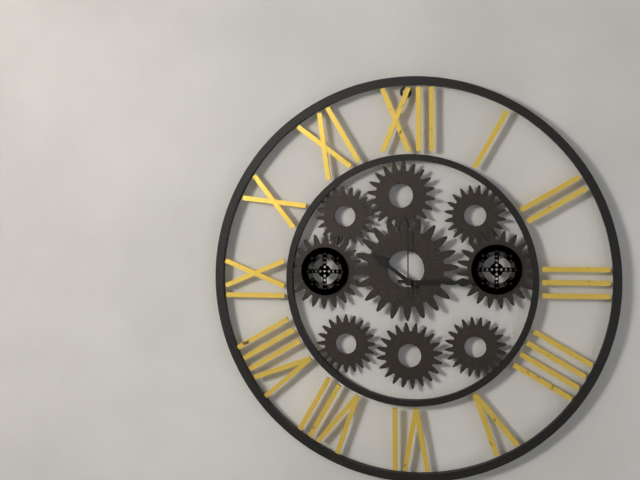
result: **10:15:00**
